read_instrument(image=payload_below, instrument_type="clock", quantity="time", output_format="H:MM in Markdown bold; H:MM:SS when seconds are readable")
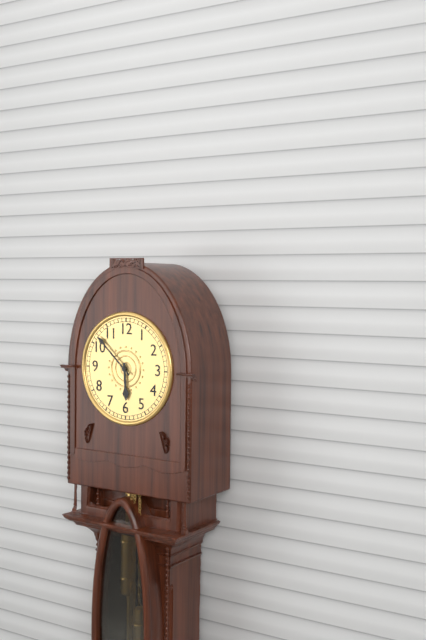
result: **5:52**
